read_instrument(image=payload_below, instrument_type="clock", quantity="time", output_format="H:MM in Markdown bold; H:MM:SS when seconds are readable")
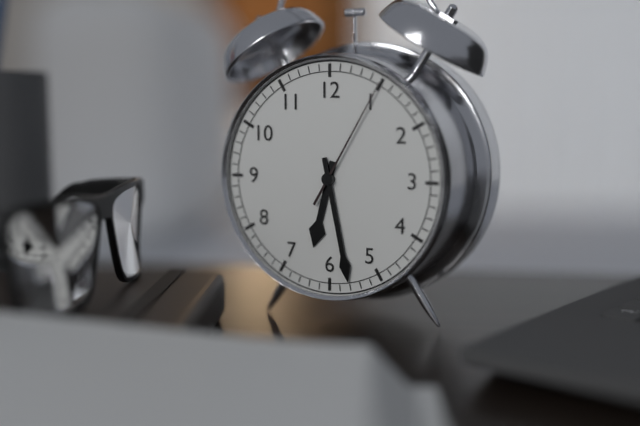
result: **6:28:05**
